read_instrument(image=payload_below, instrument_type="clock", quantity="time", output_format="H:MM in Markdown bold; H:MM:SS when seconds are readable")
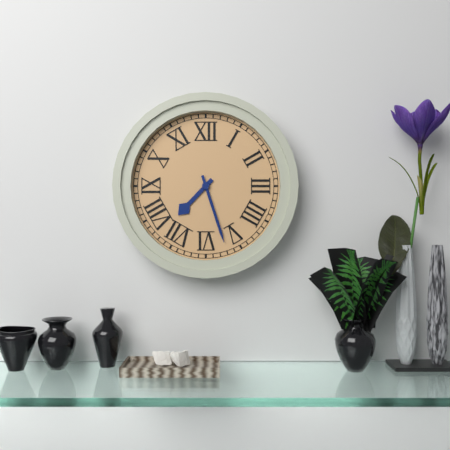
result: **7:27**
